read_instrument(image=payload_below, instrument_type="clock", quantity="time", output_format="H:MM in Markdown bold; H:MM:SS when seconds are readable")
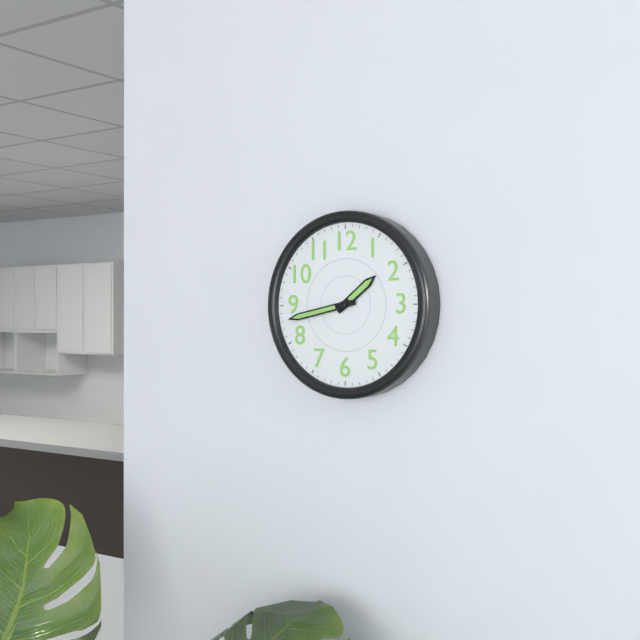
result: **1:43**
